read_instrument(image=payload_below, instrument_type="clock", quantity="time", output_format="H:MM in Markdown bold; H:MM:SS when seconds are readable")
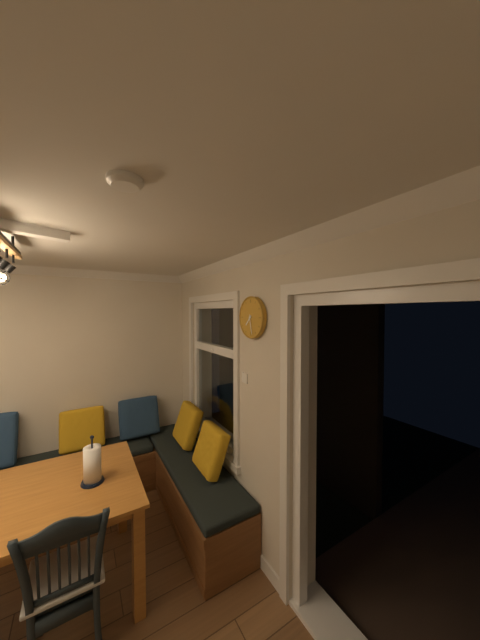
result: **7:28**
